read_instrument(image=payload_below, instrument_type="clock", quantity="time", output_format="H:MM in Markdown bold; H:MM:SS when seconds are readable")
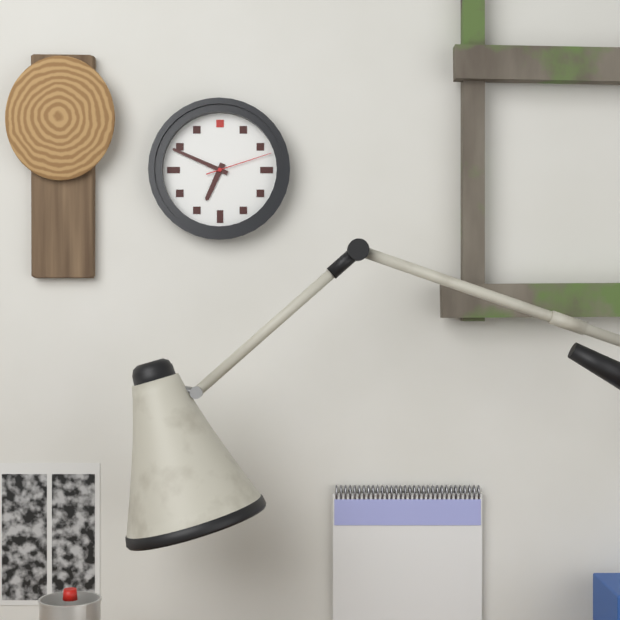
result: **6:49:12**
